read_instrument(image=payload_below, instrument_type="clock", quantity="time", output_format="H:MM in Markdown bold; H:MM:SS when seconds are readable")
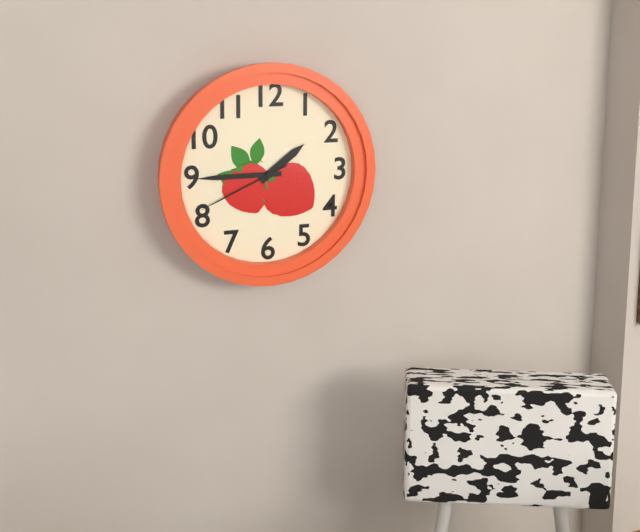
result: **1:45:41**
